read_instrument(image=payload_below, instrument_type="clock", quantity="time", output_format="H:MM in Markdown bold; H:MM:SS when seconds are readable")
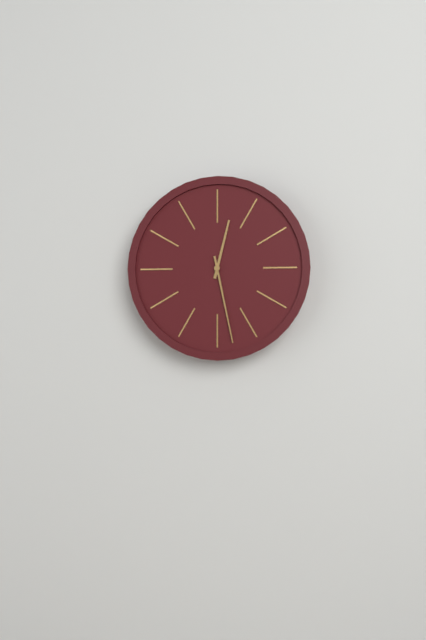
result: **12:28**
